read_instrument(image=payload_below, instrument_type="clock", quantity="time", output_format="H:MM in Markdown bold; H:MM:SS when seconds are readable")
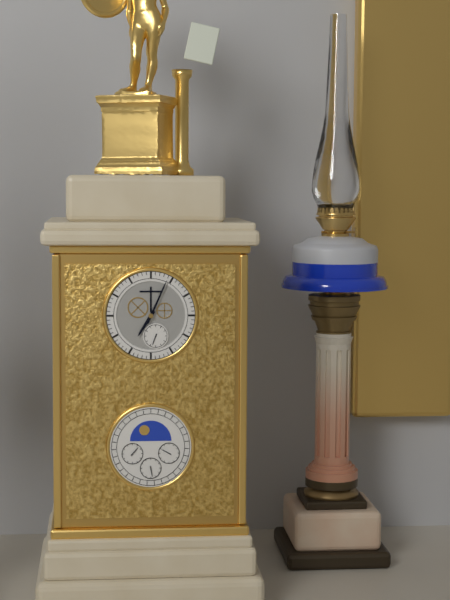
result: **7:04**
